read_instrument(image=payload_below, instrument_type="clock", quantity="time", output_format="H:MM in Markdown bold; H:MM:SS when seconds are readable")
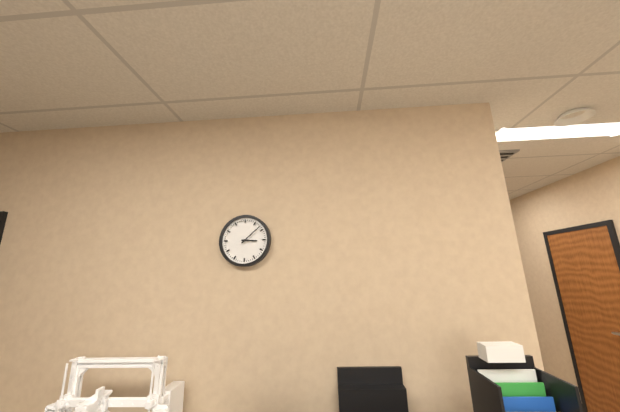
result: **3:08**
